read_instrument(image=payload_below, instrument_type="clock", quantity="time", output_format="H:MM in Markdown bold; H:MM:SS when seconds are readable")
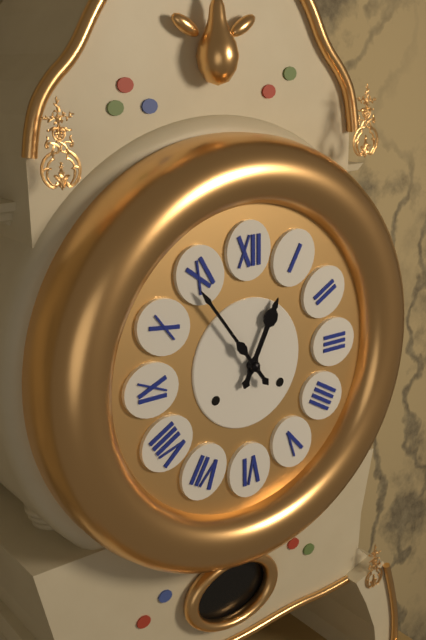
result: **12:54**
